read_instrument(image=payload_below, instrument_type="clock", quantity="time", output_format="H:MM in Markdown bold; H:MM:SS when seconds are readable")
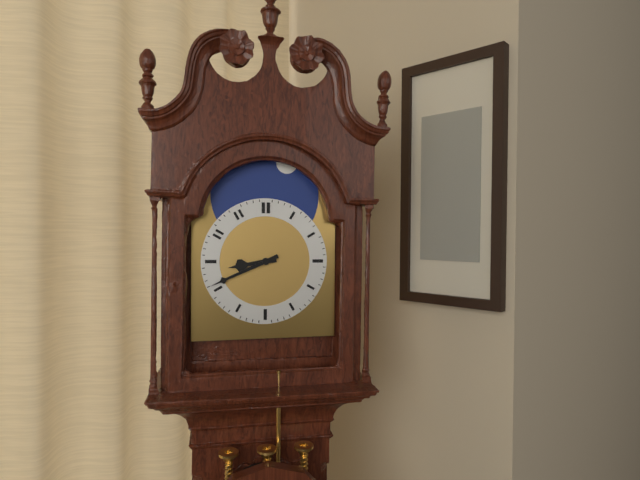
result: **8:41**
